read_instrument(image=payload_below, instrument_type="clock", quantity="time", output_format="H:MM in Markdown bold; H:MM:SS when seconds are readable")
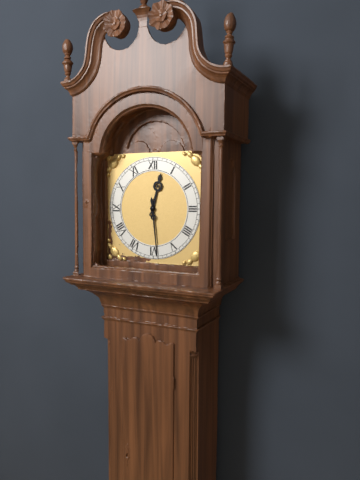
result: **12:29**
